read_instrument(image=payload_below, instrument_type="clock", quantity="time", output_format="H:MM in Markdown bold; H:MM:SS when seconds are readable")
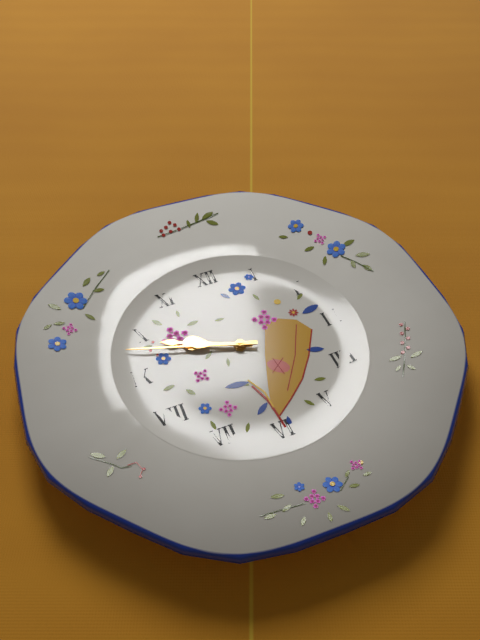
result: **9:48**
